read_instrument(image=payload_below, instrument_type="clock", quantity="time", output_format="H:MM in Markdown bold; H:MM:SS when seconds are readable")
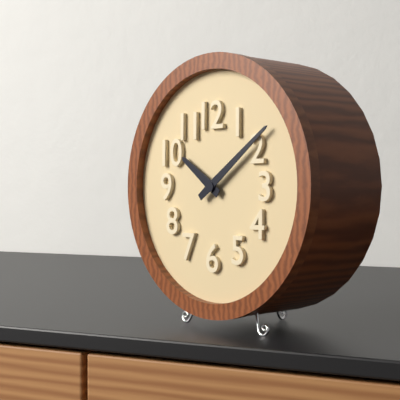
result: **10:09**
